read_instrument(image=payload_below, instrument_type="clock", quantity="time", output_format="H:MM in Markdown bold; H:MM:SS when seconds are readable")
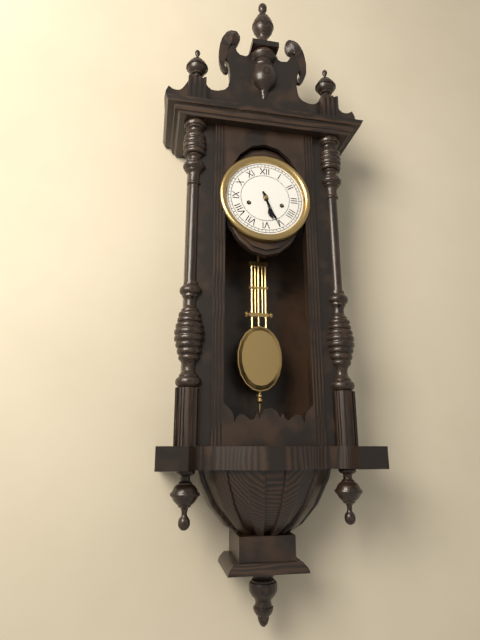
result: **5:26**
